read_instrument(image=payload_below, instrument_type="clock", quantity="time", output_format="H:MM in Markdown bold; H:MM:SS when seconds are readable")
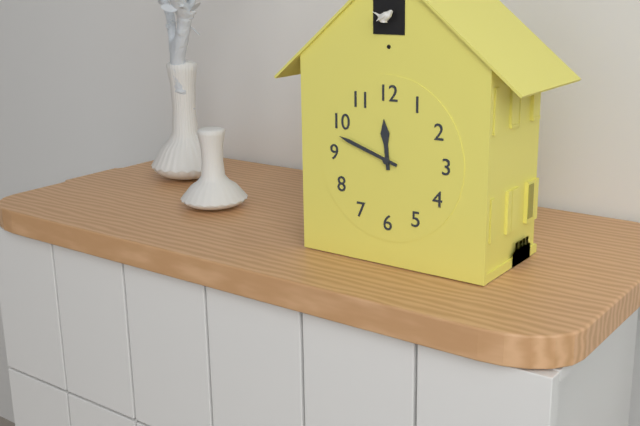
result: **11:48**
